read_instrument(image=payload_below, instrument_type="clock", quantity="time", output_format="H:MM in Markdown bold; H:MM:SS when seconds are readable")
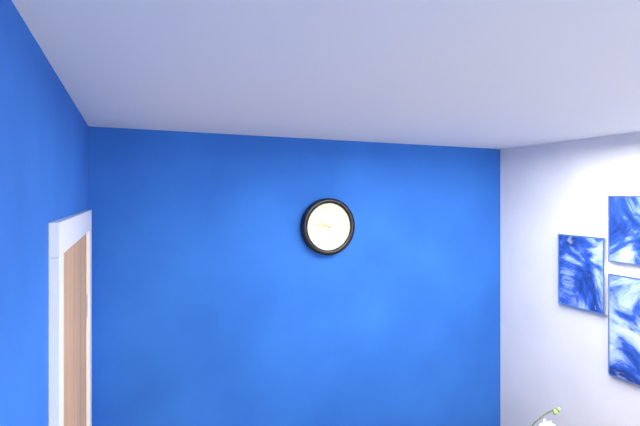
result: **9:47**
